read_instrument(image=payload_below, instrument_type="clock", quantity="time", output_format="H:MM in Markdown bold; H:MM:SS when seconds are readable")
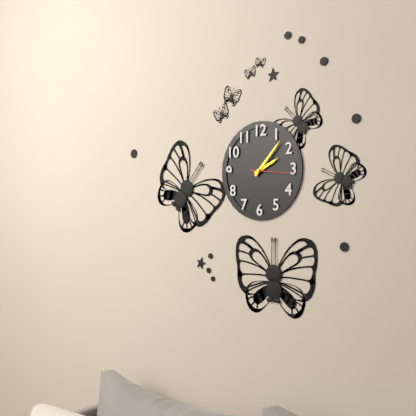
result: **2:07**
